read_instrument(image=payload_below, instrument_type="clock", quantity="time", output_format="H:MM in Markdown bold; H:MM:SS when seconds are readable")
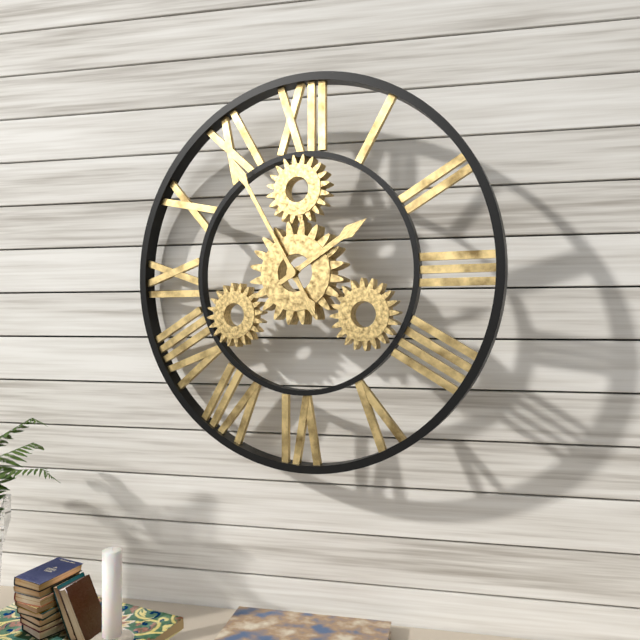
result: **1:55**
